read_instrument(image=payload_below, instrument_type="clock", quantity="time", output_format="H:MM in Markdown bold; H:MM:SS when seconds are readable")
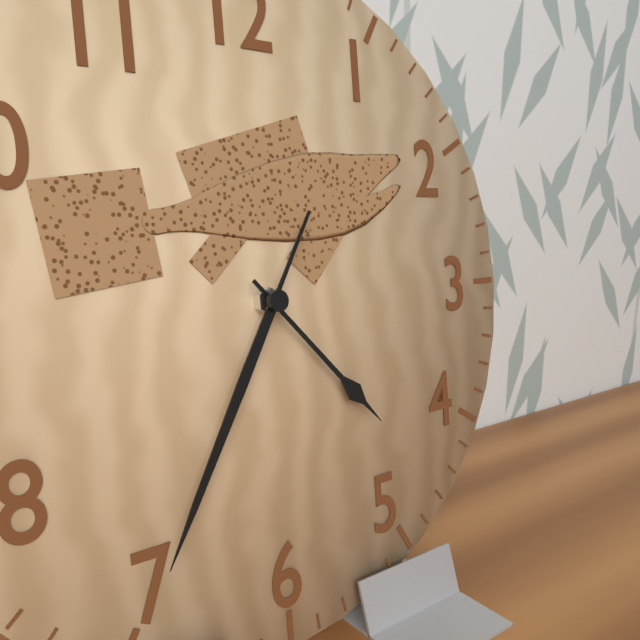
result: **4:35**
